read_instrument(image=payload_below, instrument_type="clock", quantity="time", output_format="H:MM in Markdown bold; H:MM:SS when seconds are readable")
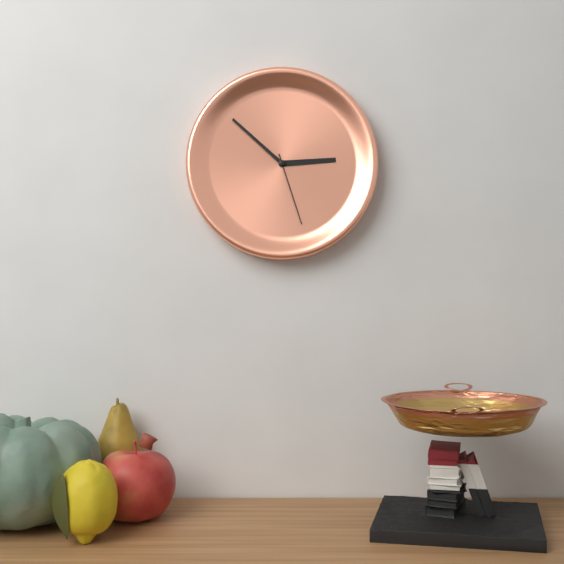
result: **2:52:27**
